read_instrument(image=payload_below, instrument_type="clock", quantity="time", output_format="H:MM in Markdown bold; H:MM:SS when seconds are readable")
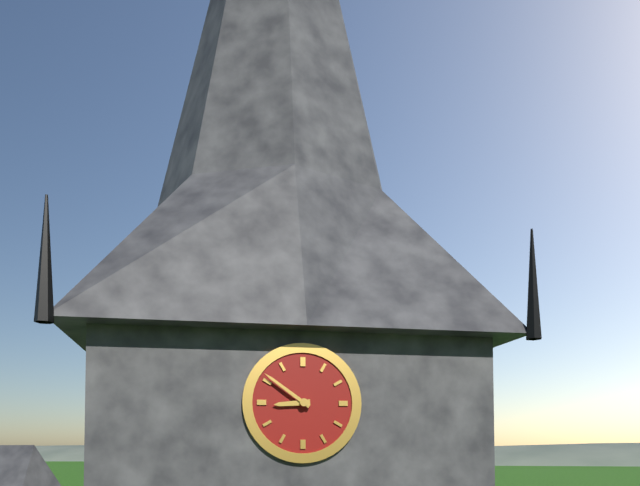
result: **8:51**
